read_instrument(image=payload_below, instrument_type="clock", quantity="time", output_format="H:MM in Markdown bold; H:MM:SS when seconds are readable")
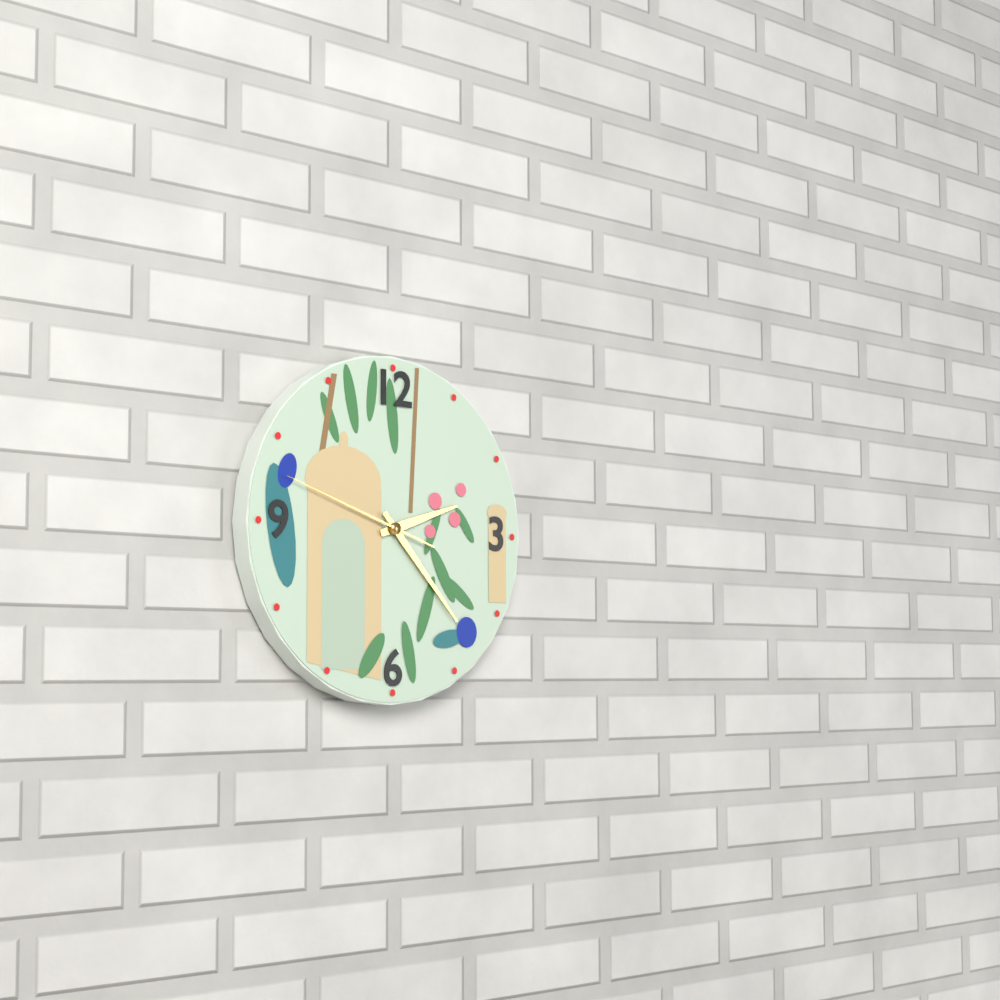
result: **2:23:48**
